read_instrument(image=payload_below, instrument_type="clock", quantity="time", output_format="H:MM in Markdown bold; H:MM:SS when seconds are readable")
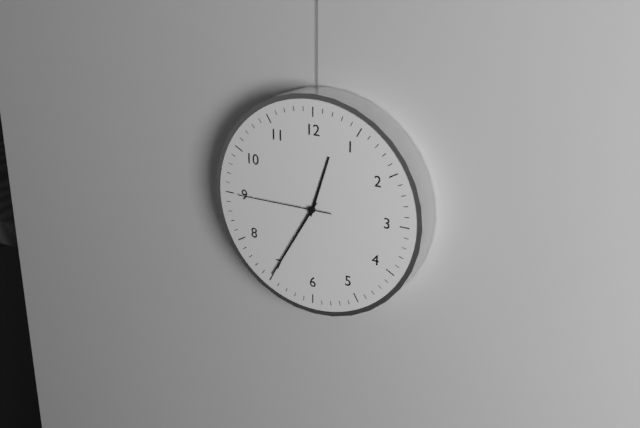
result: **12:35:45**
